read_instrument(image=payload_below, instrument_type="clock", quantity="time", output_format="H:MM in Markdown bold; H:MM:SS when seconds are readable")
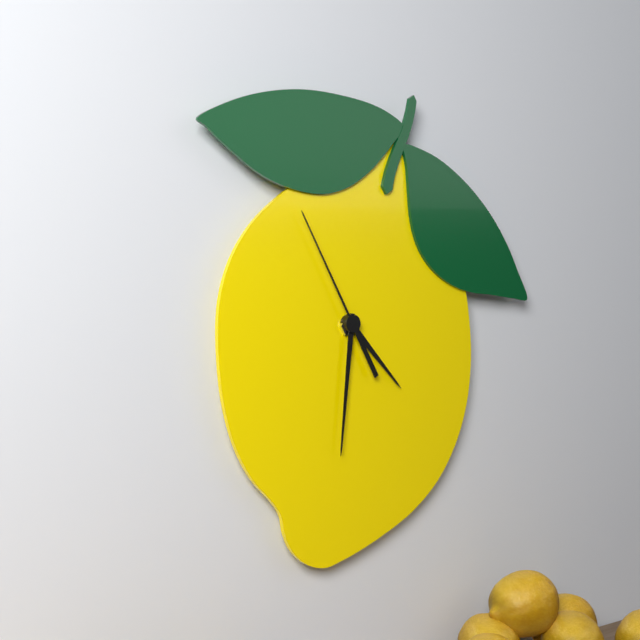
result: **4:31:55**
